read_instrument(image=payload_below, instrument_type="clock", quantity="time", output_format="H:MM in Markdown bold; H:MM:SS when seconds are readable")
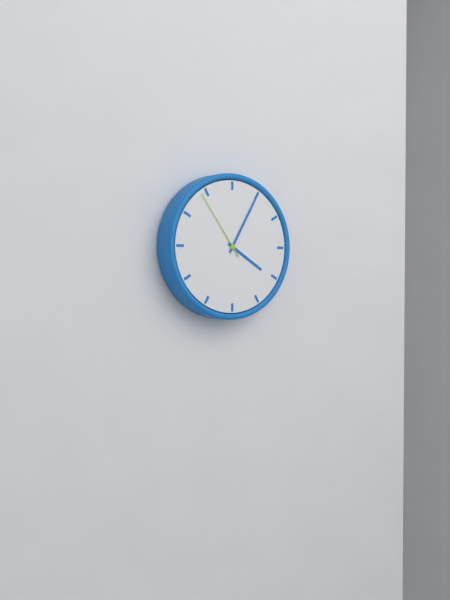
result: **4:05:54**
